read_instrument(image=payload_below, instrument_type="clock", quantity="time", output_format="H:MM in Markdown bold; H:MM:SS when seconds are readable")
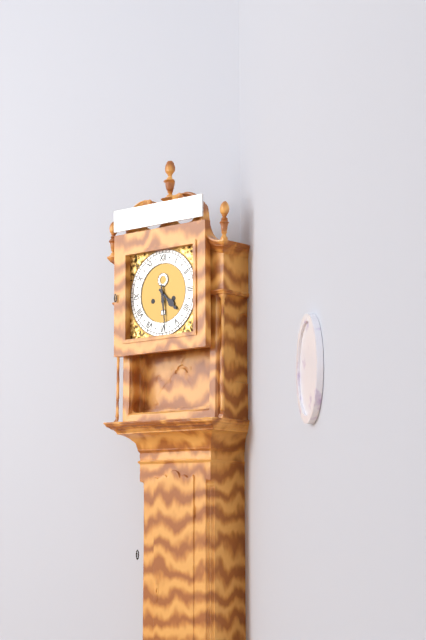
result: **4:29**
